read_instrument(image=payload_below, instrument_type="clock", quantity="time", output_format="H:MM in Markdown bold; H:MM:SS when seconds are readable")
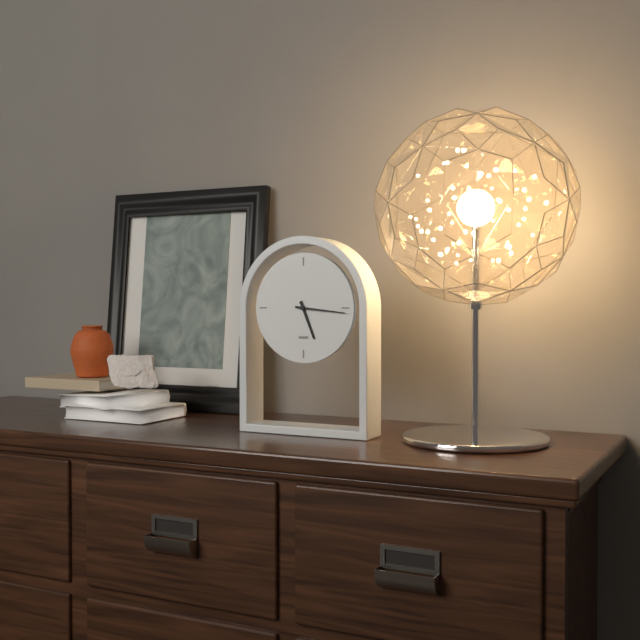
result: **5:16**
